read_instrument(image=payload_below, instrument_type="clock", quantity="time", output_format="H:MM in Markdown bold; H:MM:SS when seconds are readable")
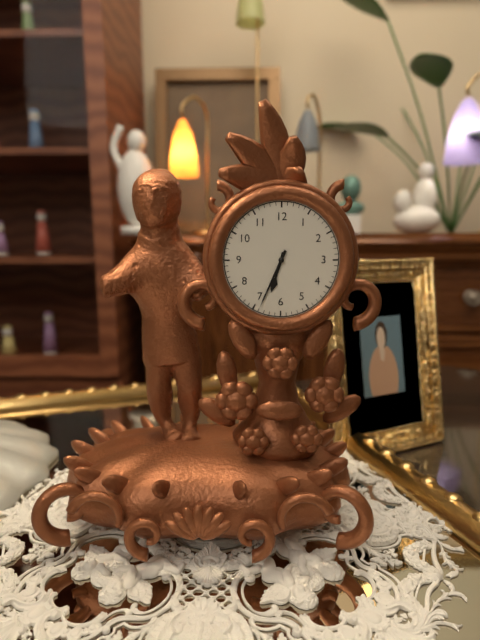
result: **6:34**
